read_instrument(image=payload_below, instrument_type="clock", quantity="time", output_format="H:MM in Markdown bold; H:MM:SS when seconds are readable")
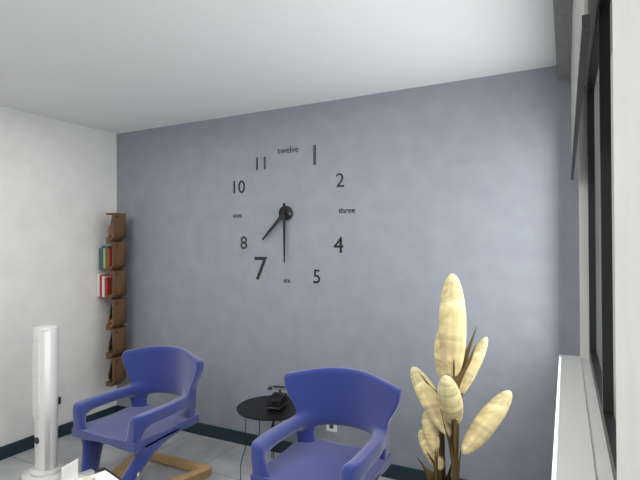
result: **7:30**
